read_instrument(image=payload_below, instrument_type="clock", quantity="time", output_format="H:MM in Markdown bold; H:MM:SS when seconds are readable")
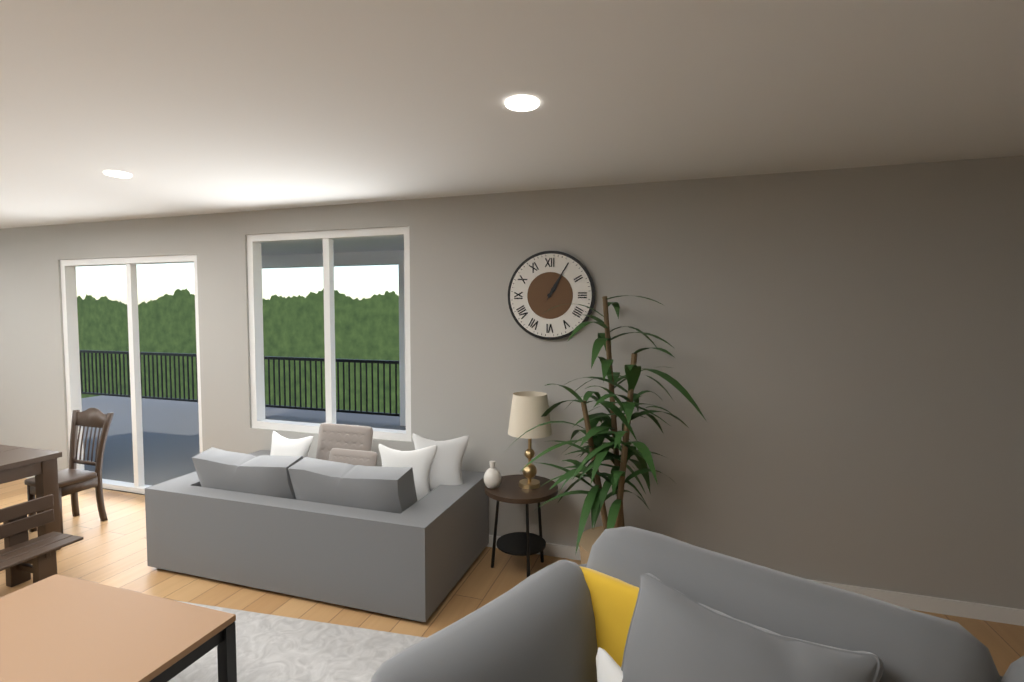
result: **1:05**
